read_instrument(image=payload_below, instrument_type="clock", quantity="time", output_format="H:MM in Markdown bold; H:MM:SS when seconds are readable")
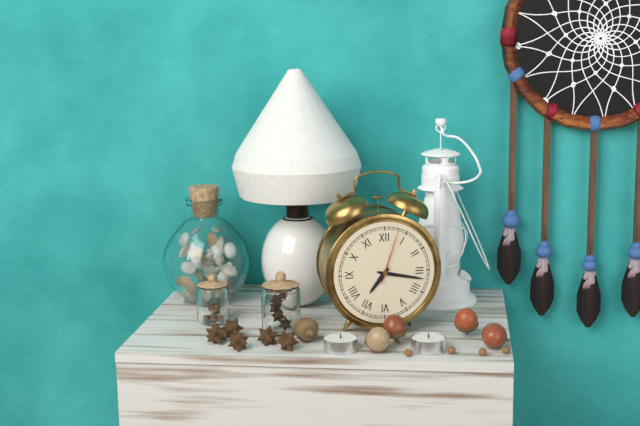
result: **7:17:03**
